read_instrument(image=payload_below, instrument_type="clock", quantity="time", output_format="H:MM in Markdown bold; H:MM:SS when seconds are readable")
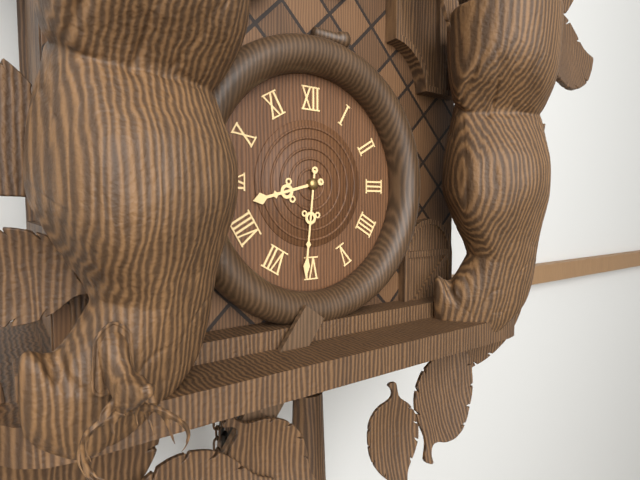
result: **8:31**
